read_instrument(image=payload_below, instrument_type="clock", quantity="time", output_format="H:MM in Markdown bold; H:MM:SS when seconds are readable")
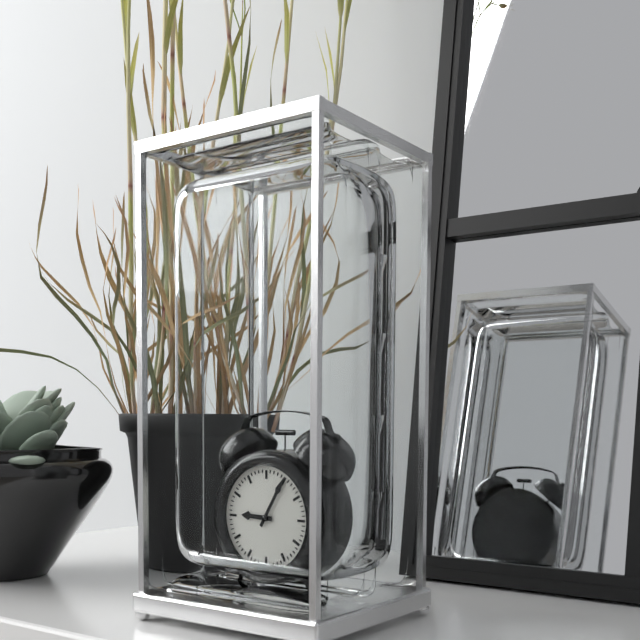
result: **9:05**
